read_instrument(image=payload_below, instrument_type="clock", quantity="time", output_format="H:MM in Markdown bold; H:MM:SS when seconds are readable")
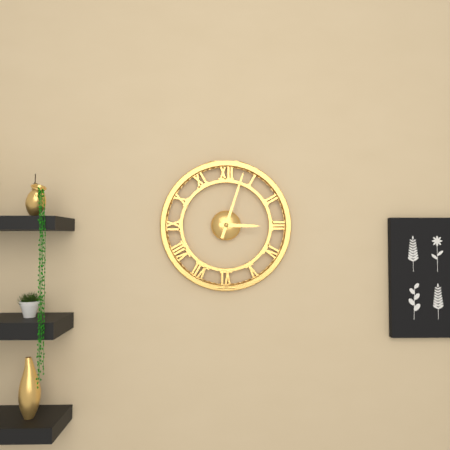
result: **3:03**
